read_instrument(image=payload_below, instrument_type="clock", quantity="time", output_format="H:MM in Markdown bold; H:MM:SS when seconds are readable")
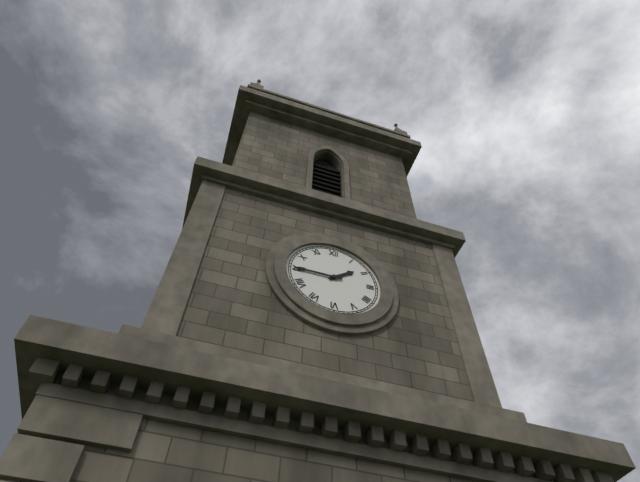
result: **1:45**
